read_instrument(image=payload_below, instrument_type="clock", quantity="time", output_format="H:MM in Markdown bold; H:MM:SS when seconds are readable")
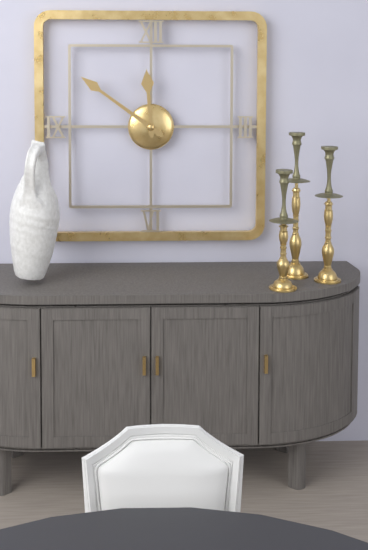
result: **11:51**
